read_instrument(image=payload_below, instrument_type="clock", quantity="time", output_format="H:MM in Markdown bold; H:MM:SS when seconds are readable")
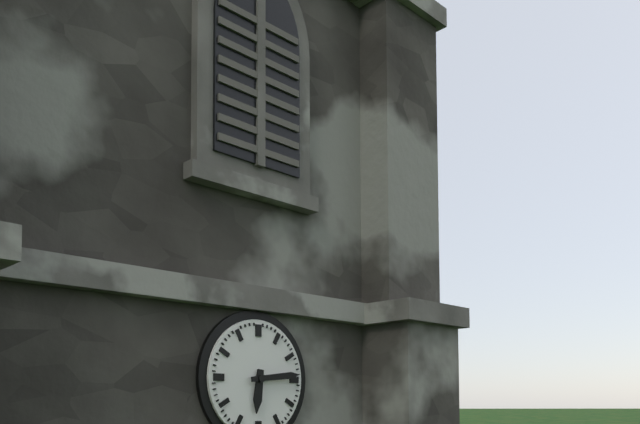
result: **6:14**
